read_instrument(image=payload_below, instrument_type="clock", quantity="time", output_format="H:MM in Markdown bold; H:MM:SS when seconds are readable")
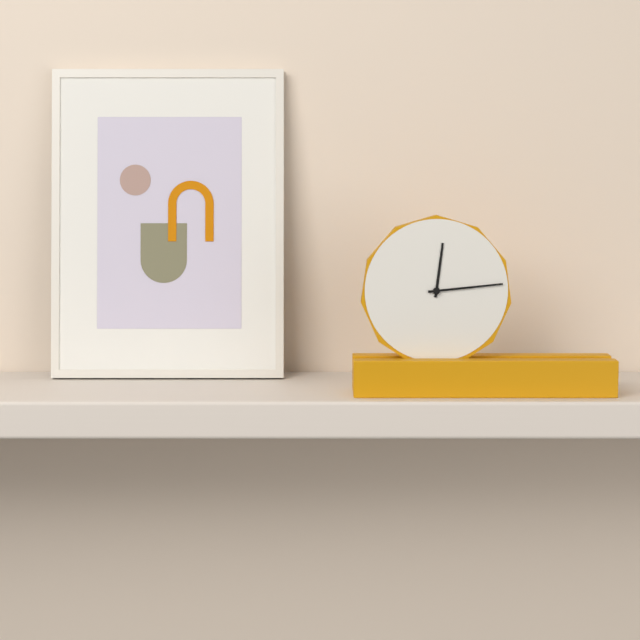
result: **12:14**
